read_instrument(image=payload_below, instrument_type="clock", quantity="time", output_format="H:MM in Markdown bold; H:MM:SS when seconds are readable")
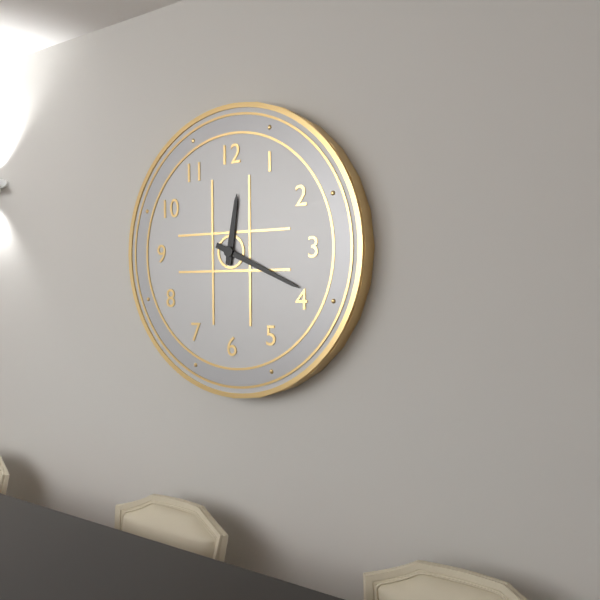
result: **12:19**
